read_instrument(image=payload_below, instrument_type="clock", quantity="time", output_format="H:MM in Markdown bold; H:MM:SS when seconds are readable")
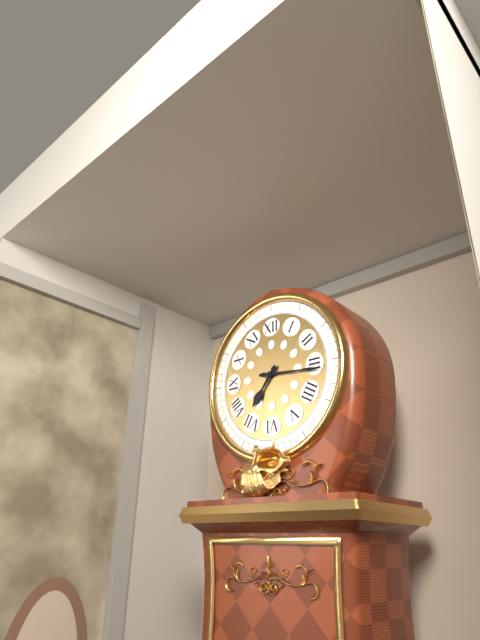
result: **7:16**
